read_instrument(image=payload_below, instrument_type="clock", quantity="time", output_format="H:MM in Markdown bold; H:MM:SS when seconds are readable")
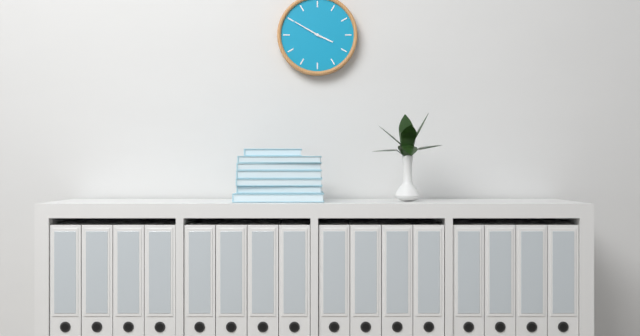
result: **3:50**
